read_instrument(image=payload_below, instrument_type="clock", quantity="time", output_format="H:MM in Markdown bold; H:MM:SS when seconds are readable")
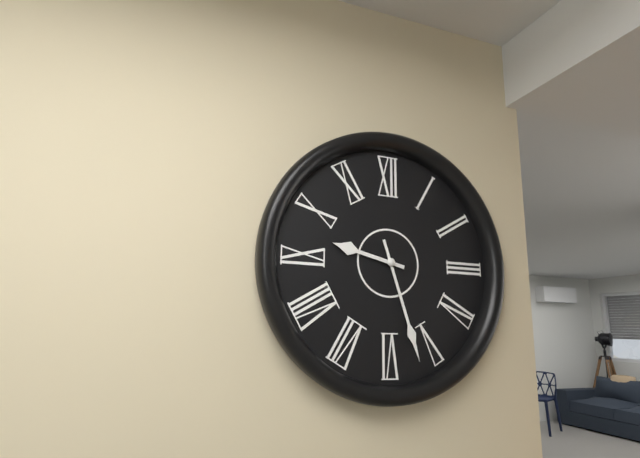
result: **9:27**
